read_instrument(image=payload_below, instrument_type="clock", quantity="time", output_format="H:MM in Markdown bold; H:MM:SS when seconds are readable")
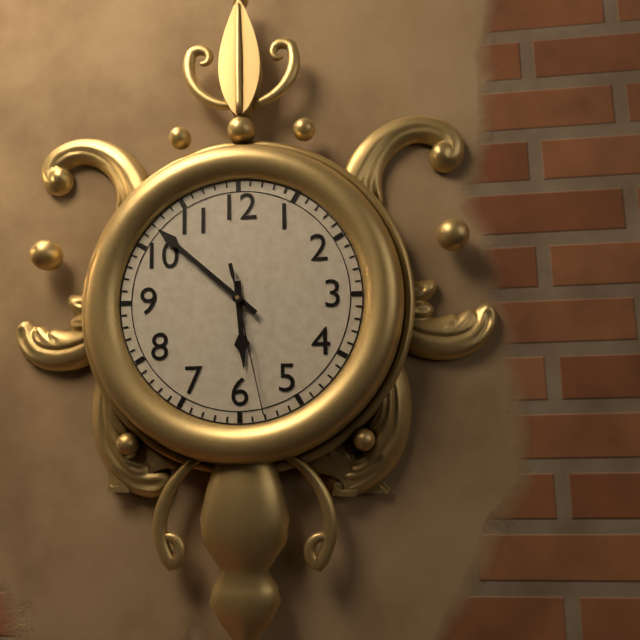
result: **5:52:28**
